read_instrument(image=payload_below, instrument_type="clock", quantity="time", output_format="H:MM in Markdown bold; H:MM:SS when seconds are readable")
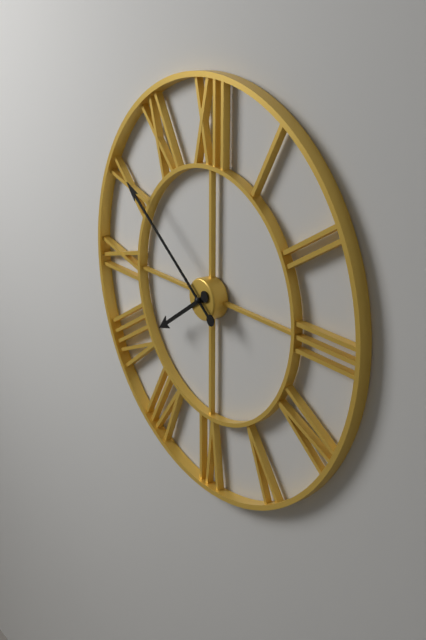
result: **7:51**
